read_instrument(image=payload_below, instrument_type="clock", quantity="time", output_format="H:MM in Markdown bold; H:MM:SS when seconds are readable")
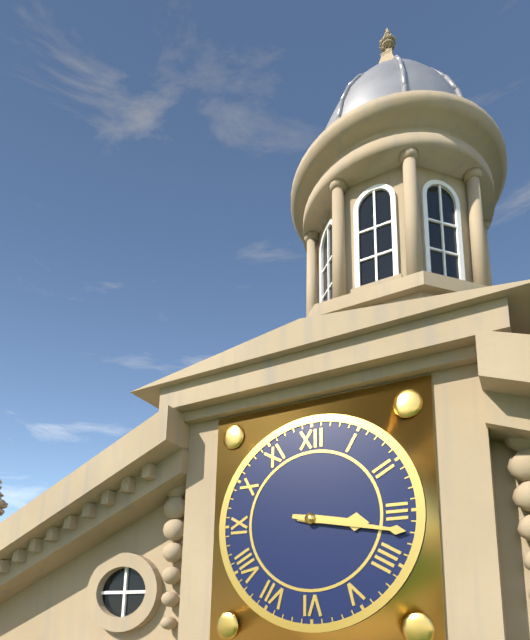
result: **3:17**
